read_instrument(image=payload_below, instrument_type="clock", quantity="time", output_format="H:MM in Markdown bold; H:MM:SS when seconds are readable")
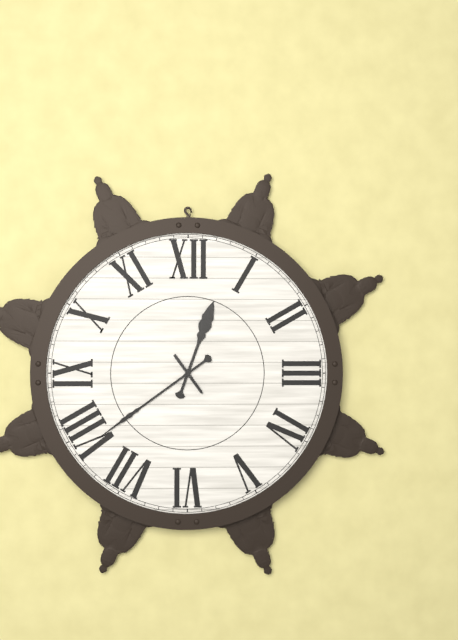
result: **12:39**
